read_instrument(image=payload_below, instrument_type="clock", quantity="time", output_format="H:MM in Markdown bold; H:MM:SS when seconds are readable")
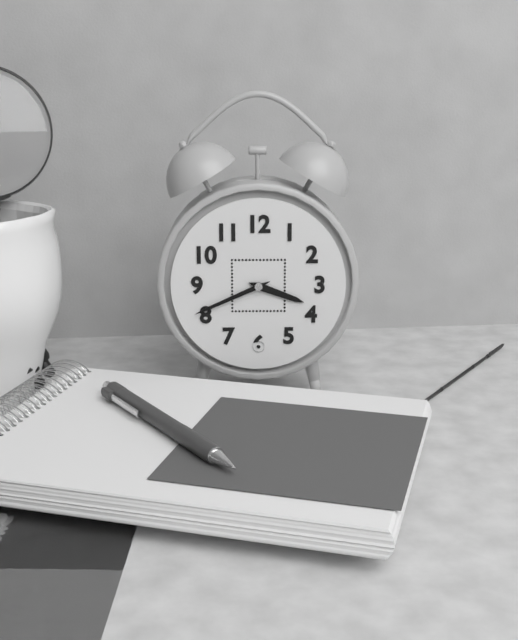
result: **3:41**
